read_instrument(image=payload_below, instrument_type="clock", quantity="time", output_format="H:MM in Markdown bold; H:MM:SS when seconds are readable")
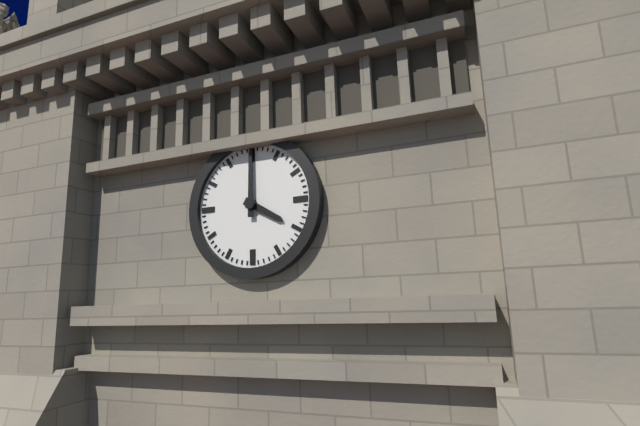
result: **4:00**
